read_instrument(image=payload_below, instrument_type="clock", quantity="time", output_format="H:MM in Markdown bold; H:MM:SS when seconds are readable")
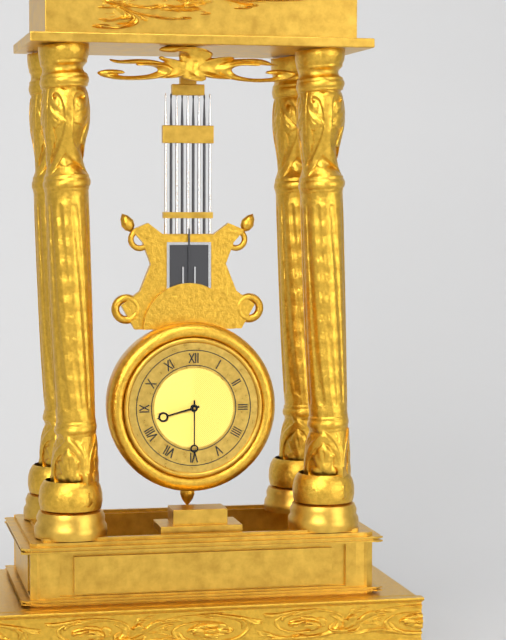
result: **8:30**
